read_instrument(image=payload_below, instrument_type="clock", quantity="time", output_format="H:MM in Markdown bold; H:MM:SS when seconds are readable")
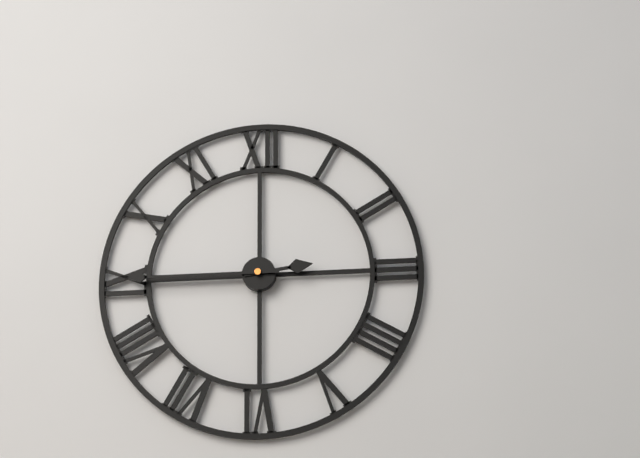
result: **2:45**
